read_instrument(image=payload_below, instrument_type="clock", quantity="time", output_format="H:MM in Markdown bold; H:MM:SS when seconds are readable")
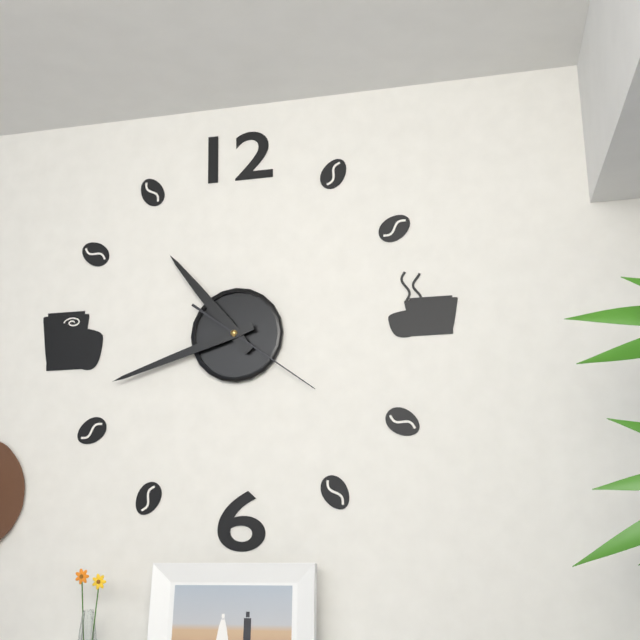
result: **10:42:21**
